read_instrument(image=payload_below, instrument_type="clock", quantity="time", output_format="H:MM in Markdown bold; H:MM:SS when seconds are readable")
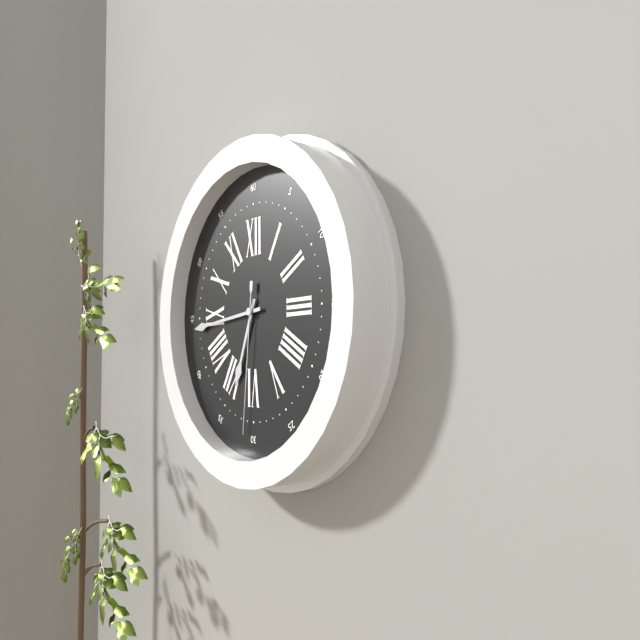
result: **6:44:31**
